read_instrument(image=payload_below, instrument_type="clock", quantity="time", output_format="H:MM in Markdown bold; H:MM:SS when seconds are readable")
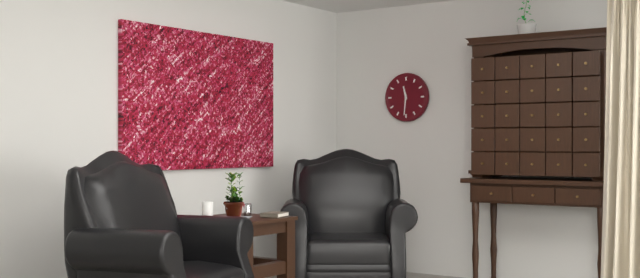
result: **11:31**
